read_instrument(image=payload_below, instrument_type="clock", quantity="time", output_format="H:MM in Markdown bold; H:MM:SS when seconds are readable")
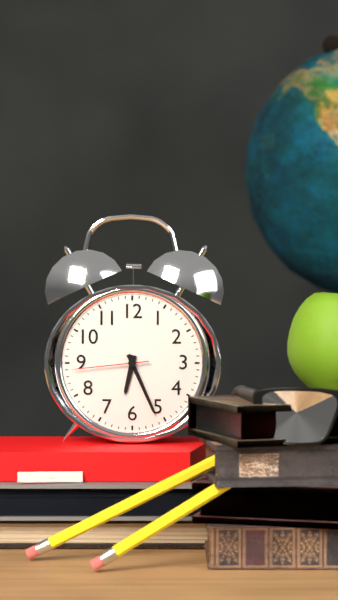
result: **6:26:44**
